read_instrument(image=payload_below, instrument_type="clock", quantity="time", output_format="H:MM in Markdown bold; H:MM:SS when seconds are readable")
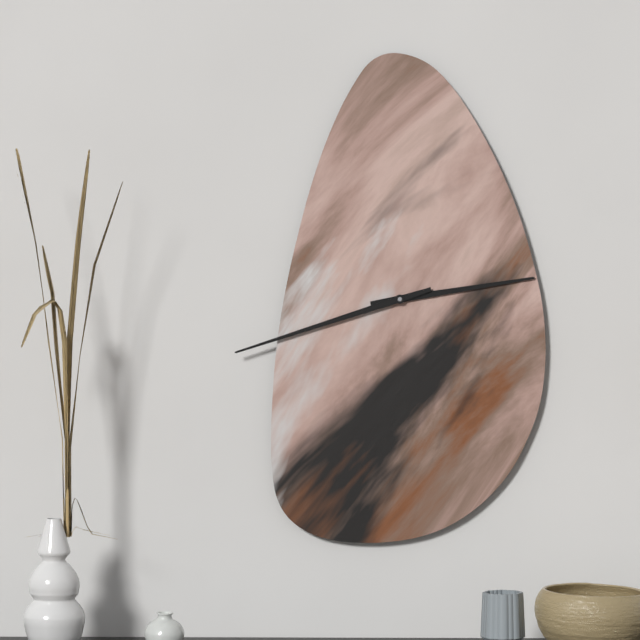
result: **2:42**
